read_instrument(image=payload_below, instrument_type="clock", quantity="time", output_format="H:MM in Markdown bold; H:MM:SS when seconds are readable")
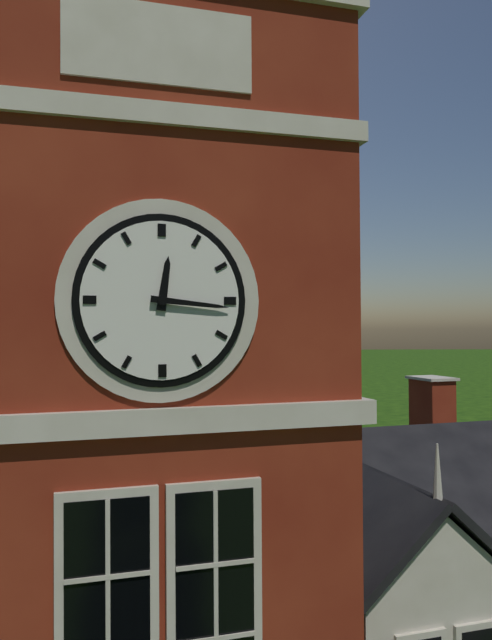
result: **12:16**
